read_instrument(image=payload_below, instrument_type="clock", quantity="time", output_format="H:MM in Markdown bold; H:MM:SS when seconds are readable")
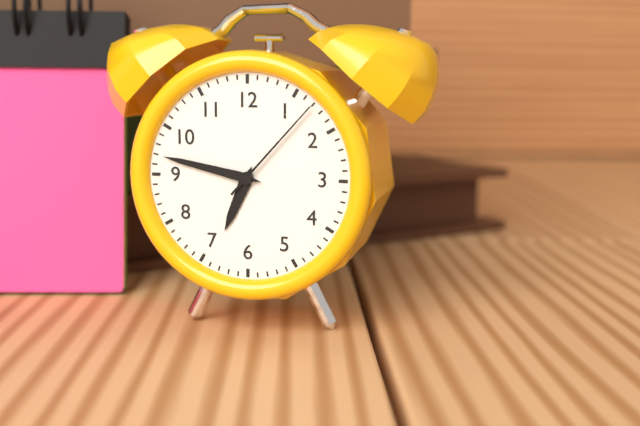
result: **6:47:07**
